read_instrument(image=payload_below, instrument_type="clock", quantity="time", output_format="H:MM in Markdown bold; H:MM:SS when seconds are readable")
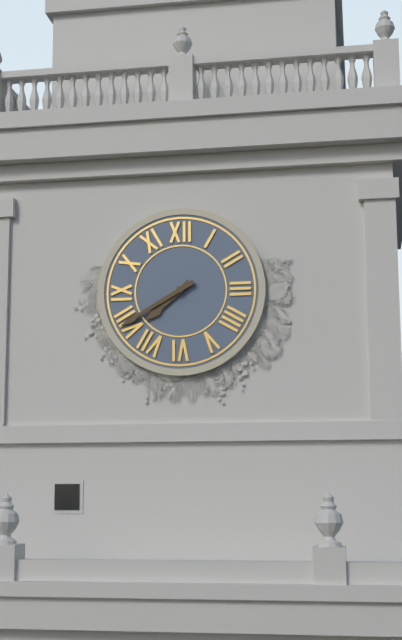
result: **7:40**
